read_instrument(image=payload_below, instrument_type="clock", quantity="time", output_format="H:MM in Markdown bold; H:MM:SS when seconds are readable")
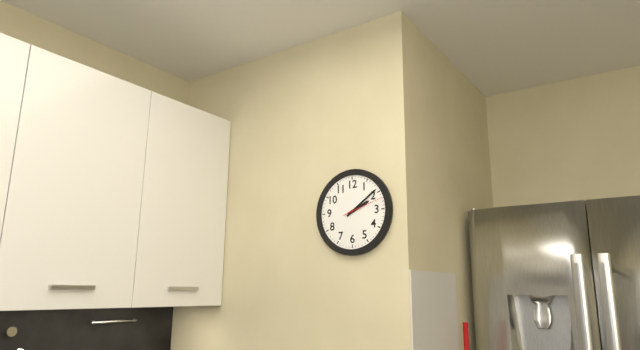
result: **2:09**
